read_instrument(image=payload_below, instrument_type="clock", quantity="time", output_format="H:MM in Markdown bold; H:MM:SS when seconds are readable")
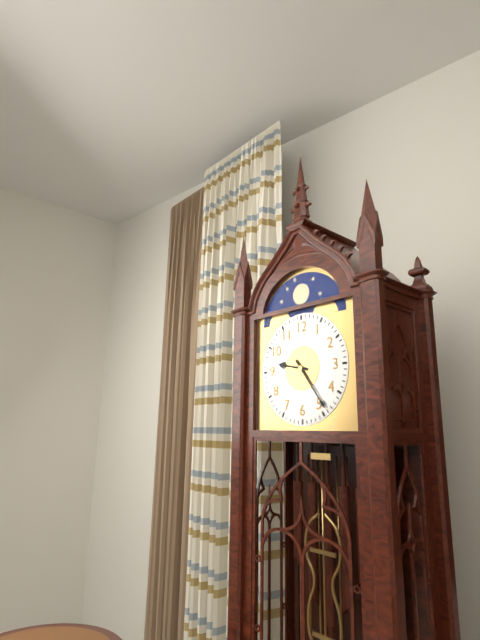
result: **9:24**
